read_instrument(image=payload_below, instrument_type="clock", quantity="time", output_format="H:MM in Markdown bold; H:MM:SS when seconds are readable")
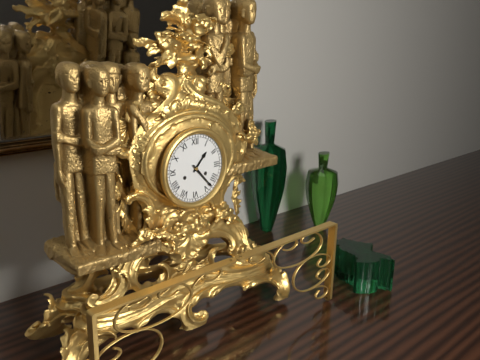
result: **1:23**
